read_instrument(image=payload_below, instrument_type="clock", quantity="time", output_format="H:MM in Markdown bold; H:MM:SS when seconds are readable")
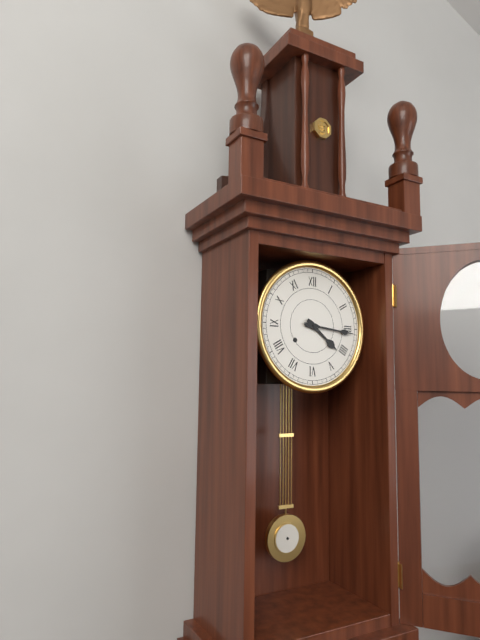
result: **4:16**
